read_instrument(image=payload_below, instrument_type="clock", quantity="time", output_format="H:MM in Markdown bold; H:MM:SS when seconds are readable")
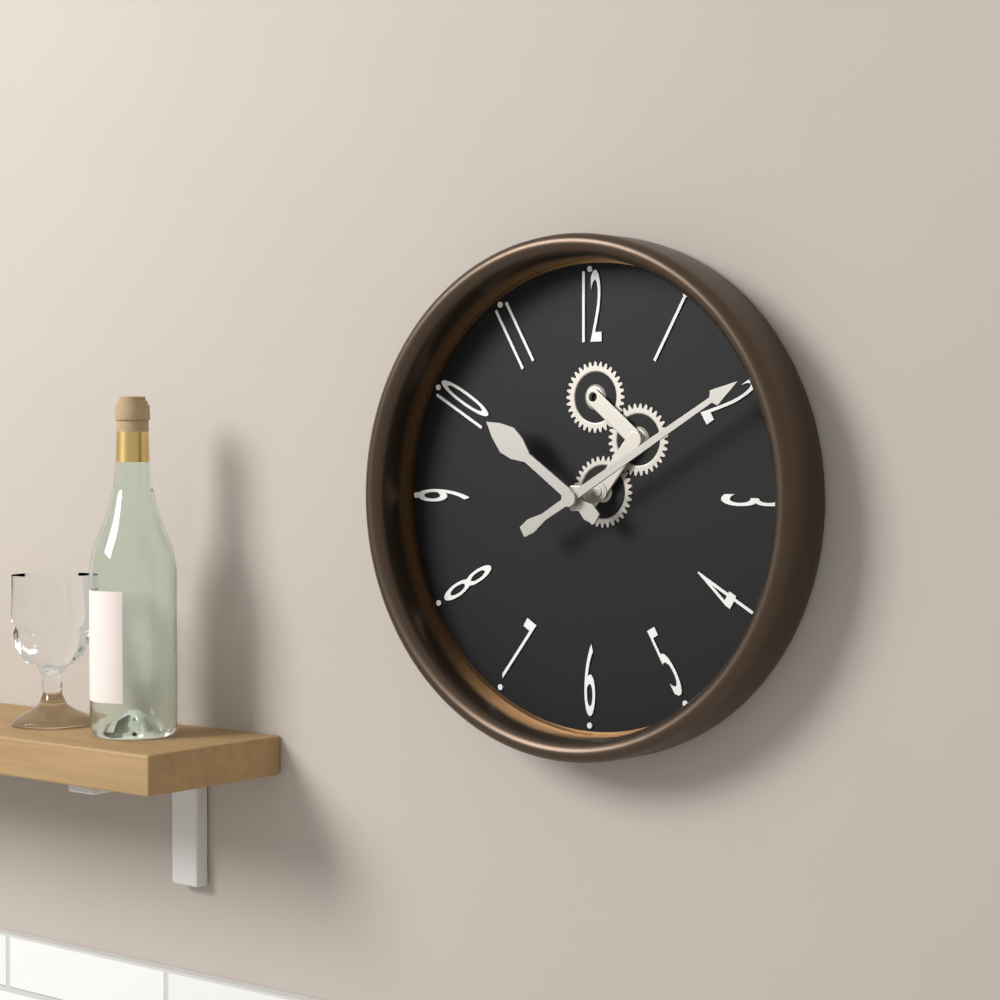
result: **10:10**
